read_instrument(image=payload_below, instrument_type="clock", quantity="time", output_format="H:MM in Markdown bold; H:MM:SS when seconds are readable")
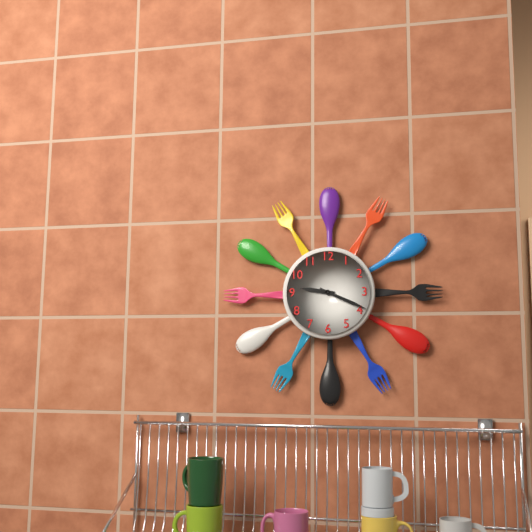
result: **9:19**
